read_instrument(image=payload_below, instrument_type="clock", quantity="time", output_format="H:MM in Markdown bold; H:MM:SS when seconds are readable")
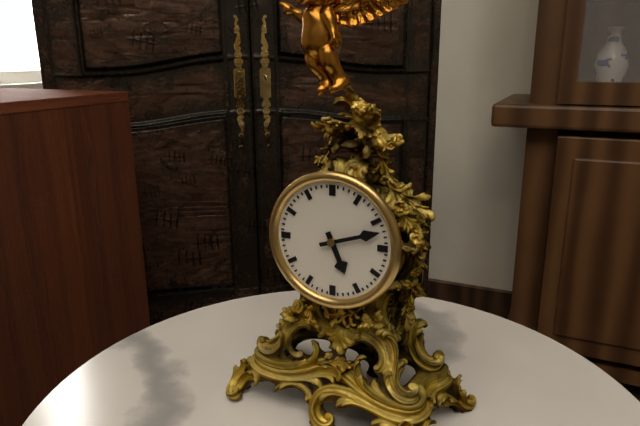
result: **5:12**
